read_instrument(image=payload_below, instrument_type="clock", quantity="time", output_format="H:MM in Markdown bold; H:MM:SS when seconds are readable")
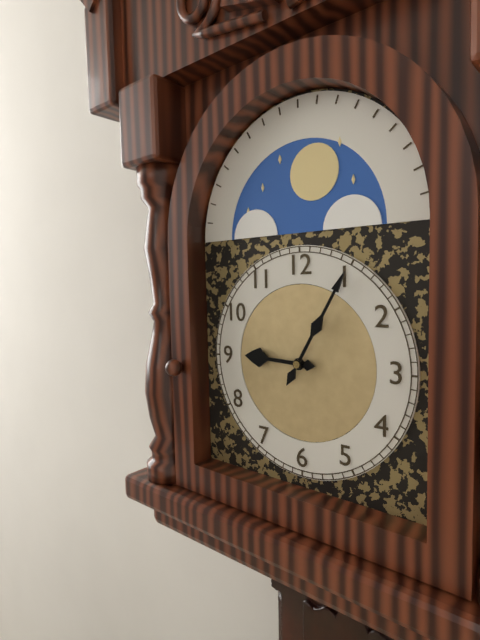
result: **9:05**
